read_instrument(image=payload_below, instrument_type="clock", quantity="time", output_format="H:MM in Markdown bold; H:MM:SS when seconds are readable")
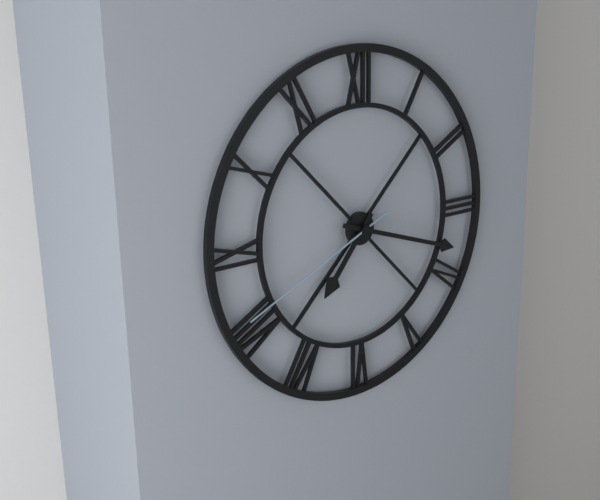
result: **7:18:41**
